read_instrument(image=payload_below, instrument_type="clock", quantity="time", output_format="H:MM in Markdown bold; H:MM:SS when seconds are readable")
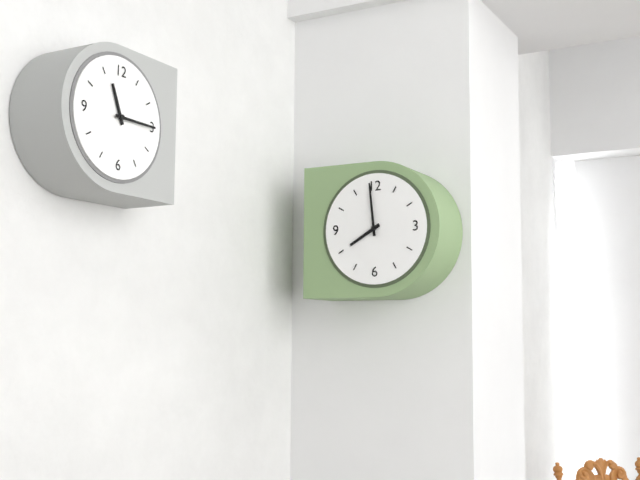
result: **7:59**
